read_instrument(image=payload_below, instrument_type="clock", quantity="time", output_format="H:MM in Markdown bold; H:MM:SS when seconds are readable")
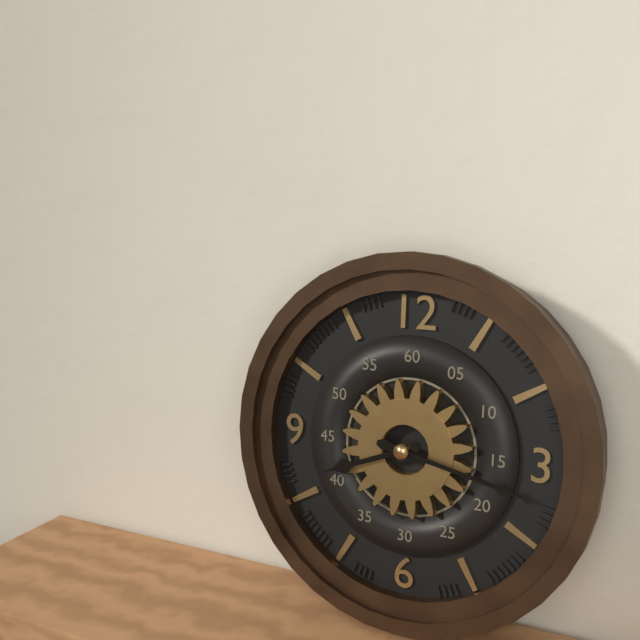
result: **8:17**
